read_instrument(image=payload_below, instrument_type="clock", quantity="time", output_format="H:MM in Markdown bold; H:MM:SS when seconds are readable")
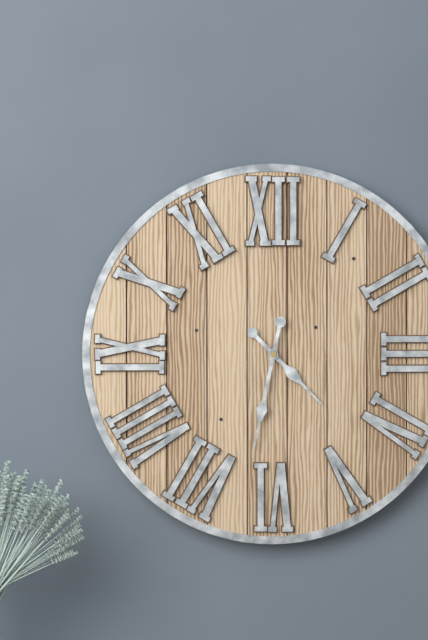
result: **4:32**
